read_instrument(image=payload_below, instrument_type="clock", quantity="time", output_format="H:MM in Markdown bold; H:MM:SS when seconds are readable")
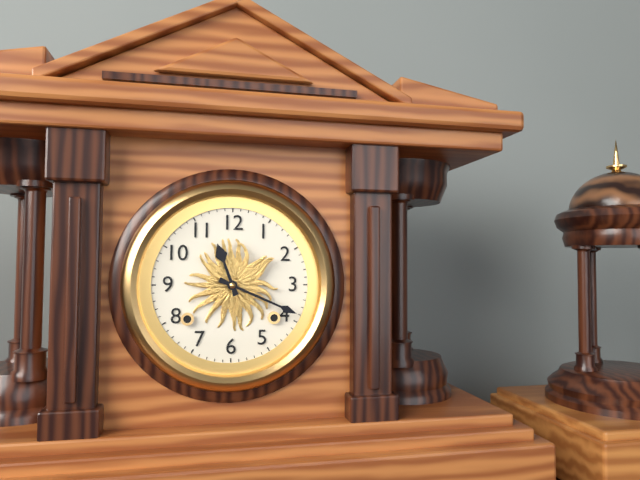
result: **11:19**
